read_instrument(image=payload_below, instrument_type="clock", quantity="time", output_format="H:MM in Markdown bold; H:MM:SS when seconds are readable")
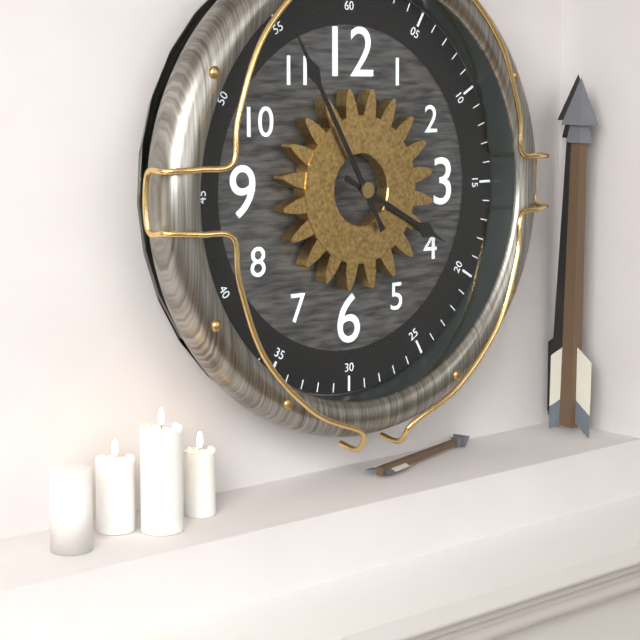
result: **3:55**
